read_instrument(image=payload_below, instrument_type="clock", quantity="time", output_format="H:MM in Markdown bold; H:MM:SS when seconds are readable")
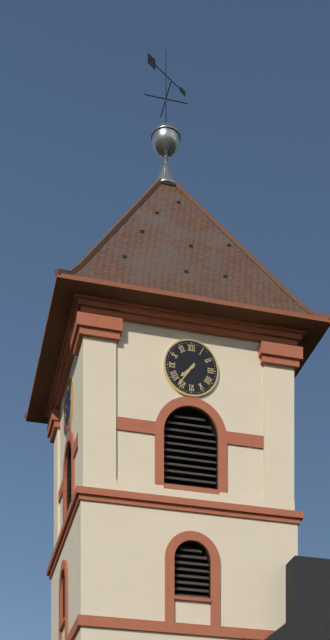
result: **7:36**
